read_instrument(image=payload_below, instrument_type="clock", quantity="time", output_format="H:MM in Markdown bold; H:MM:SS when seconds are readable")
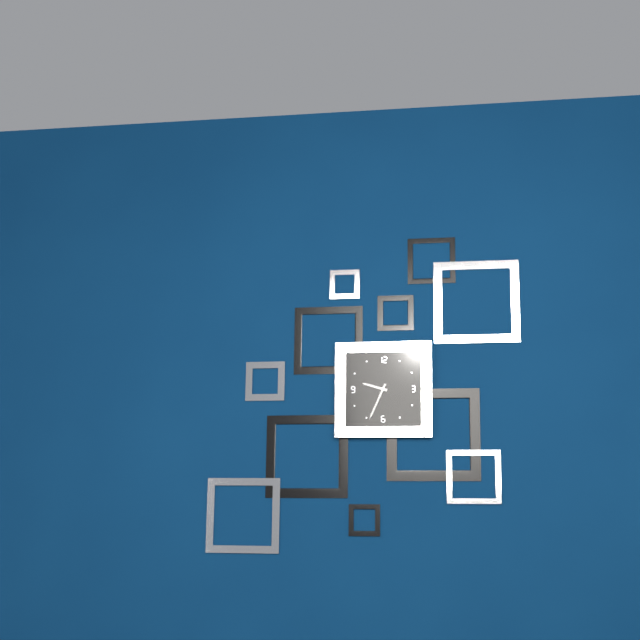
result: **9:34**
